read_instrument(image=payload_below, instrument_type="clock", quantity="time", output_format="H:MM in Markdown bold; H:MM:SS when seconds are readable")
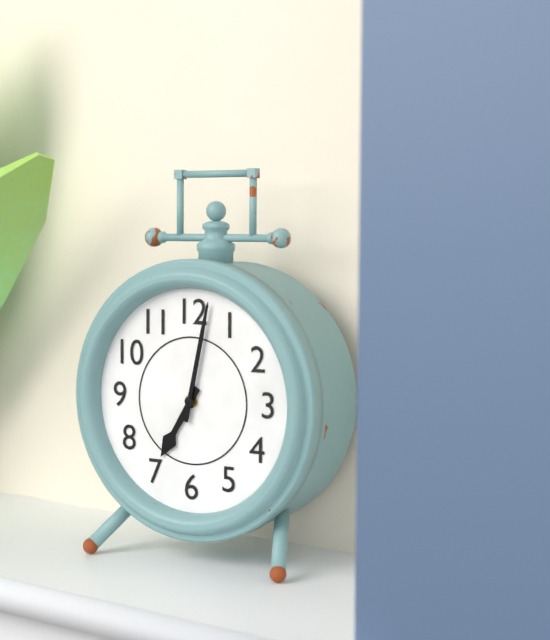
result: **7:02**
